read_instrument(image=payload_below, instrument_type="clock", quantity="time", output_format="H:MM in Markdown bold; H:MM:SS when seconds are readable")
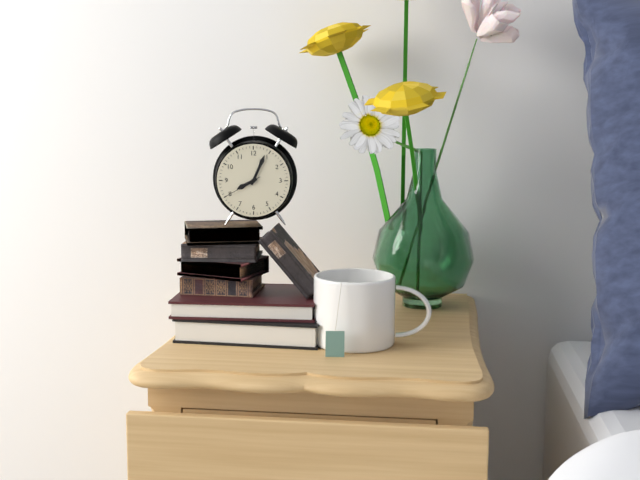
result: **8:04**
